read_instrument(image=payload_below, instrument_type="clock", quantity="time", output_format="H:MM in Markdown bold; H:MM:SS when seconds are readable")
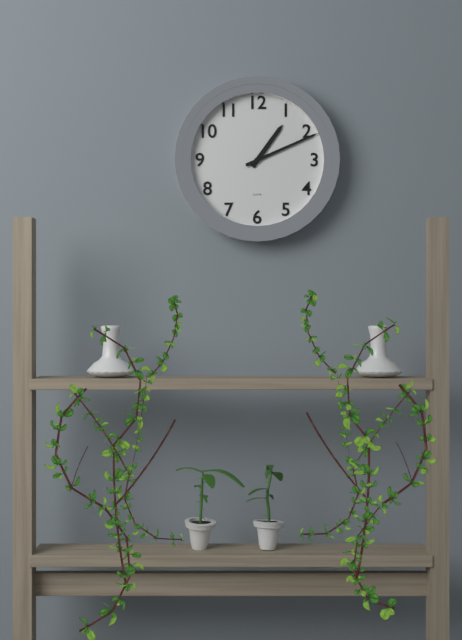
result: **1:11**
